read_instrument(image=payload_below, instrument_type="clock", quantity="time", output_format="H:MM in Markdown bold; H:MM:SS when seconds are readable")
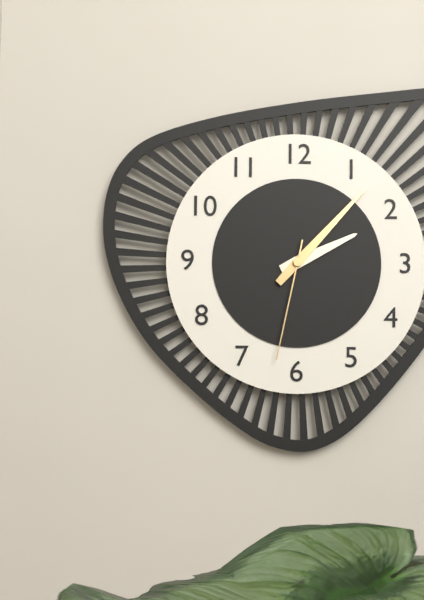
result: **2:07:32**
